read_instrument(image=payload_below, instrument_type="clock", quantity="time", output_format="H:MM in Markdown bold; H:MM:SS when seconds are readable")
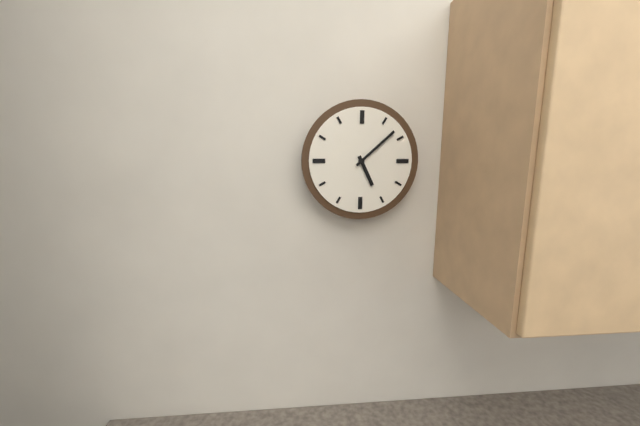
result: **5:08**
